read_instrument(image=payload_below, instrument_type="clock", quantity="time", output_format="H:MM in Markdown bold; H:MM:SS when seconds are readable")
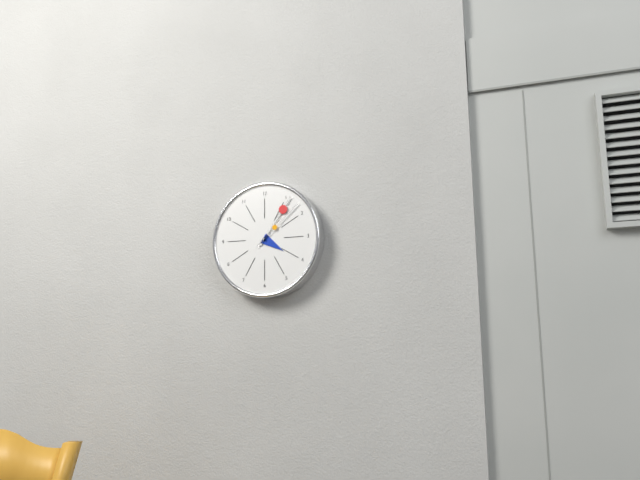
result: **4:06:08**
